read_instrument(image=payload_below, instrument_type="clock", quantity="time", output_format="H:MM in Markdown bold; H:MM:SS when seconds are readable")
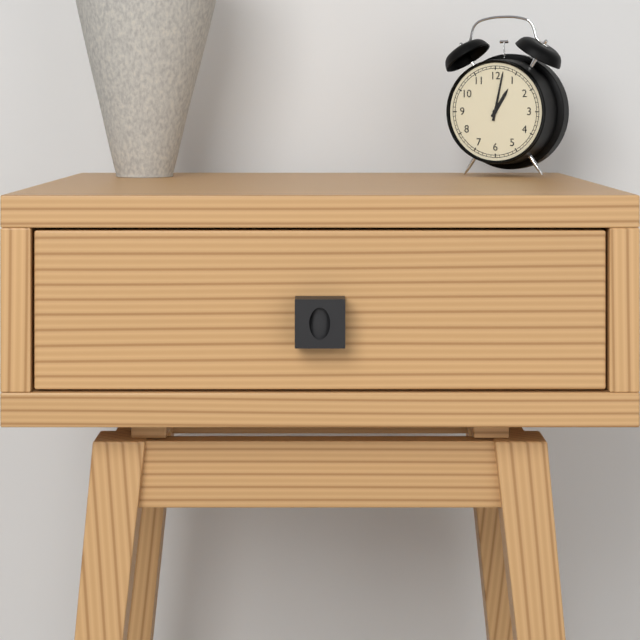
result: **1:02**
